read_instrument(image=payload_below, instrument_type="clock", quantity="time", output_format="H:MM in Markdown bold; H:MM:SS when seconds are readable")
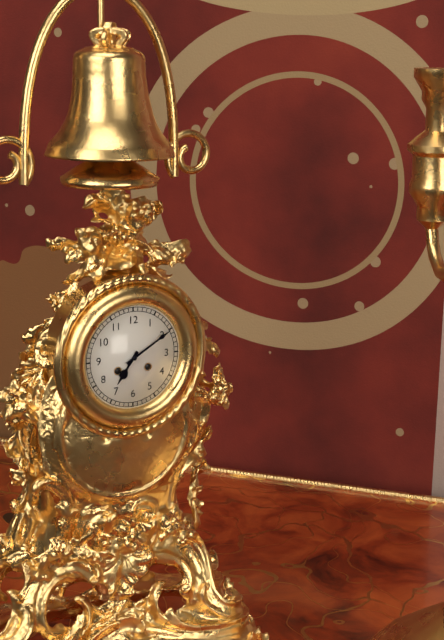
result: **7:10**
